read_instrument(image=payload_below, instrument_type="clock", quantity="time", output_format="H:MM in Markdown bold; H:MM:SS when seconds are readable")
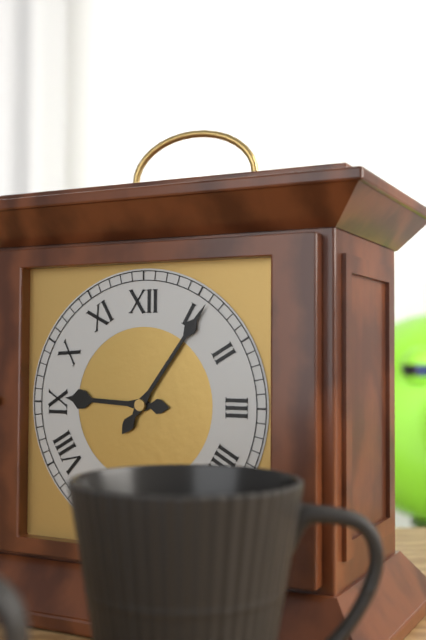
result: **9:06**
